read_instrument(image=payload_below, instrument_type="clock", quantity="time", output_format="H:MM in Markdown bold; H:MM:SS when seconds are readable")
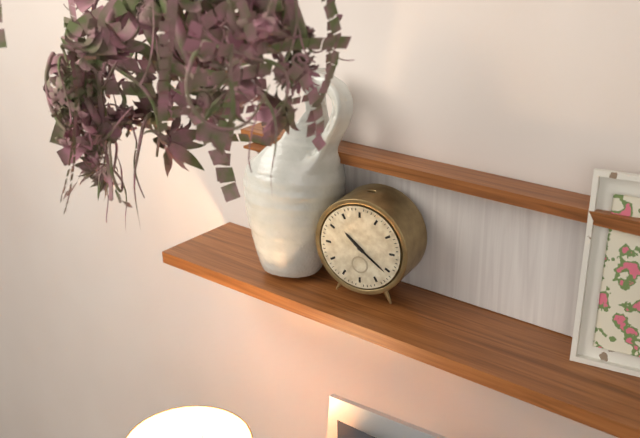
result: **10:21**
